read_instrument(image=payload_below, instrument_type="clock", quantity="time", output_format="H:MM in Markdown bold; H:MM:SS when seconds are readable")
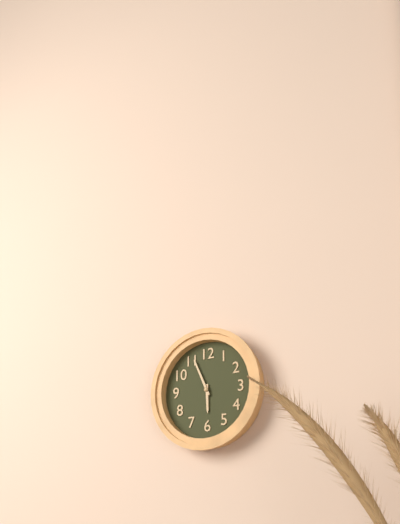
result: **5:56**
